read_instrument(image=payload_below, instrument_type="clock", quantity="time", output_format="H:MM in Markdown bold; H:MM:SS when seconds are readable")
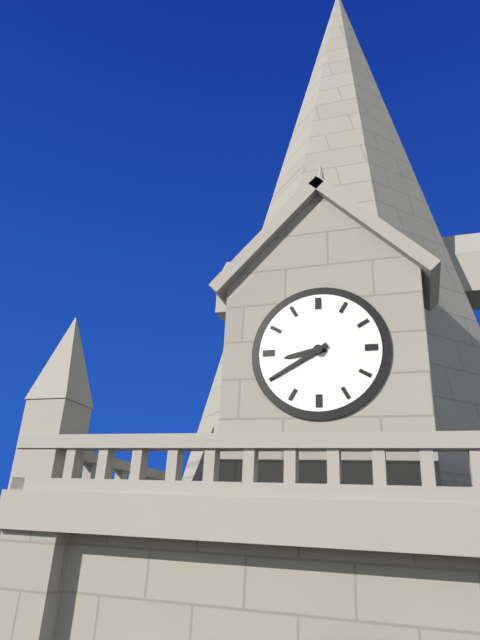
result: **8:40**
